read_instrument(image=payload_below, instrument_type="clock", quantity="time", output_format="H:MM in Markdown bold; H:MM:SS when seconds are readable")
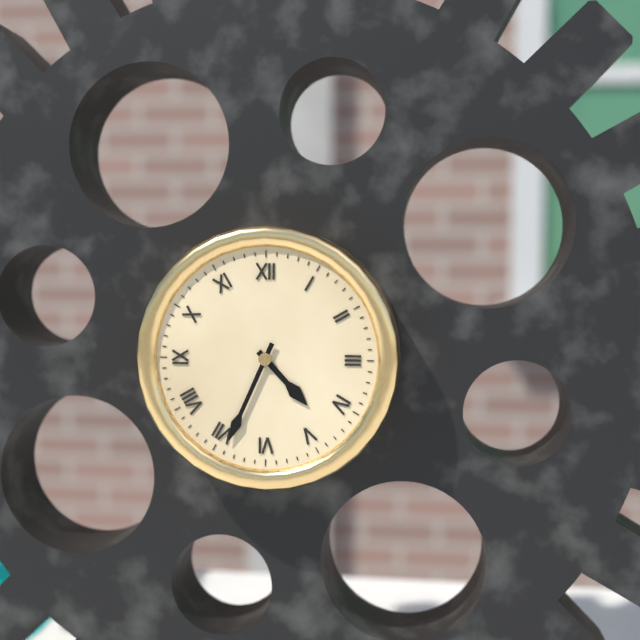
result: **4:34**
